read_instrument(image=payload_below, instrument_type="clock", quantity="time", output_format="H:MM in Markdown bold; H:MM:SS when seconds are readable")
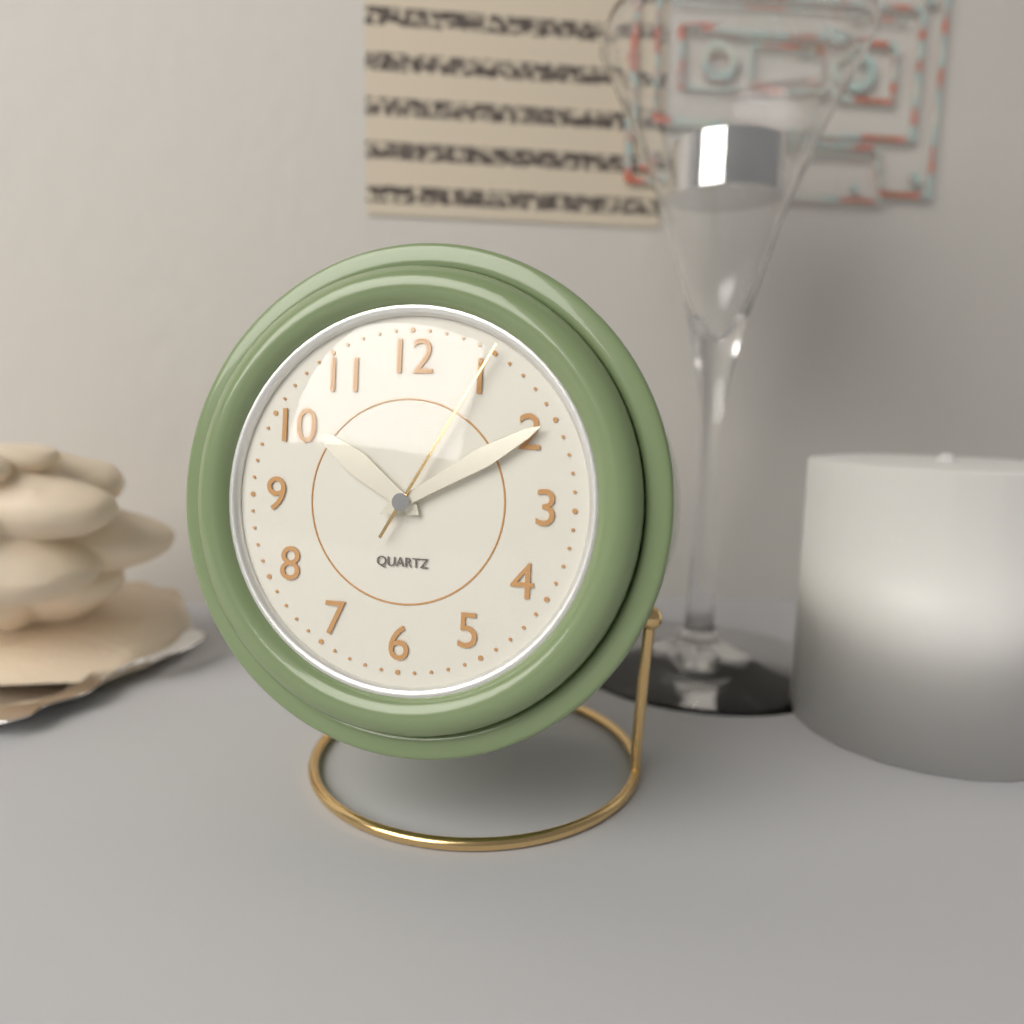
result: **10:10:05**
